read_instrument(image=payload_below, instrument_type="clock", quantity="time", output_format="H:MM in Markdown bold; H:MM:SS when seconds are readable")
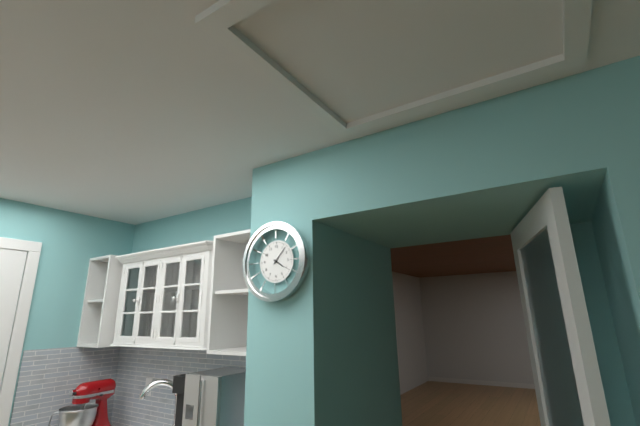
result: **4:07**
